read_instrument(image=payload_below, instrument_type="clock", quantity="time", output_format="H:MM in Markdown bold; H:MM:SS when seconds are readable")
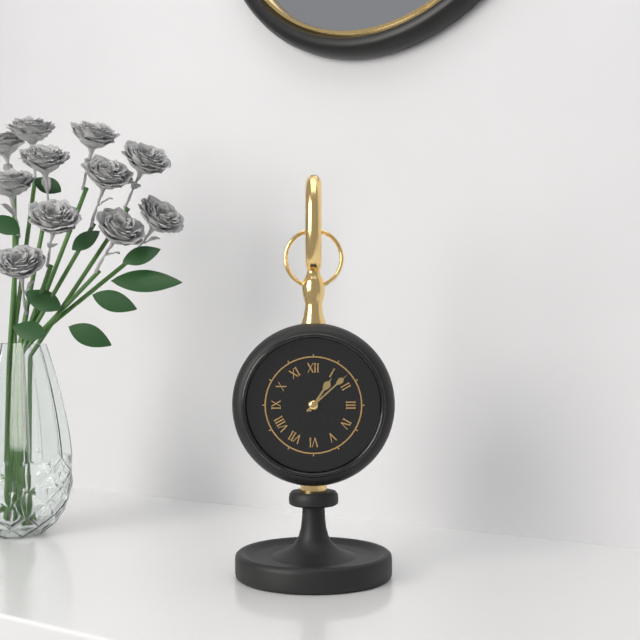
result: **1:08**
